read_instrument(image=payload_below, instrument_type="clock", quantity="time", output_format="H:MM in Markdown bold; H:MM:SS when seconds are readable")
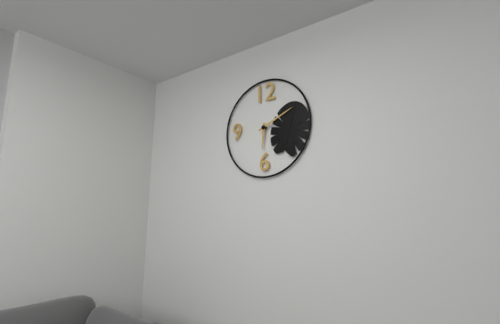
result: **6:11**
